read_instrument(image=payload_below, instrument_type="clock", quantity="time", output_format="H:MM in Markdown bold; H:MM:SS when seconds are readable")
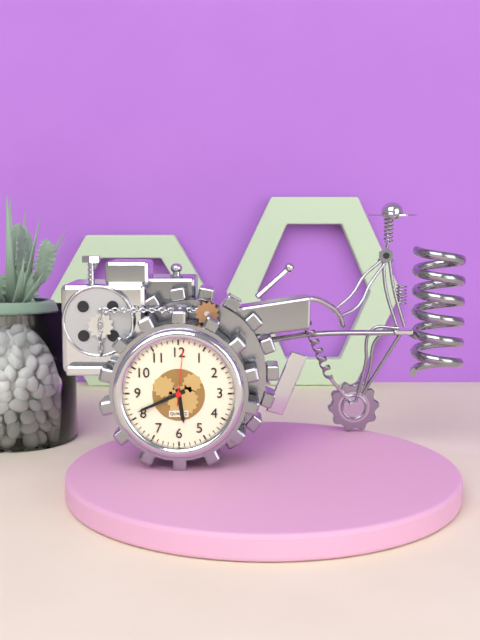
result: **5:41:01**
